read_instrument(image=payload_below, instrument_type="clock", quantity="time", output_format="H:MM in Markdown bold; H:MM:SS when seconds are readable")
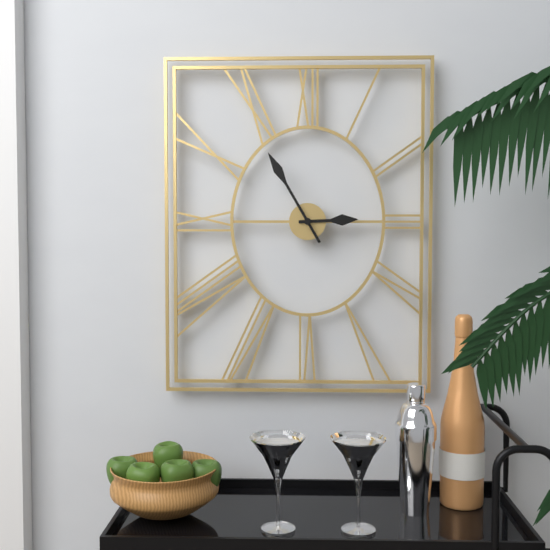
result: **2:55**
